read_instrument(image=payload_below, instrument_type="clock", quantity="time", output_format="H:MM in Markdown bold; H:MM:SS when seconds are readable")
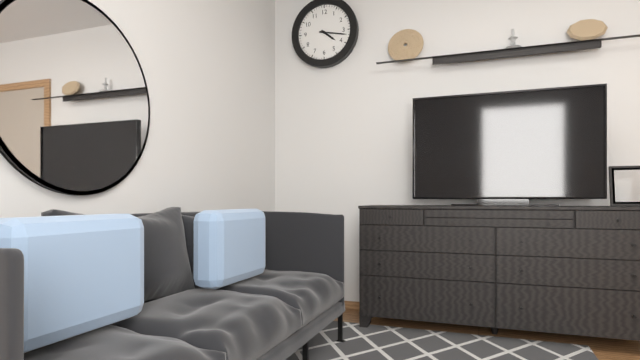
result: **4:17**
